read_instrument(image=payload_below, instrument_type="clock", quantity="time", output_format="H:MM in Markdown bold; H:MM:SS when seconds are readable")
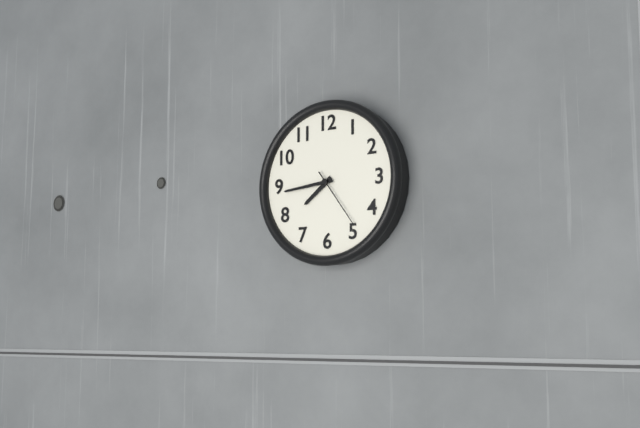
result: **7:44:24**
